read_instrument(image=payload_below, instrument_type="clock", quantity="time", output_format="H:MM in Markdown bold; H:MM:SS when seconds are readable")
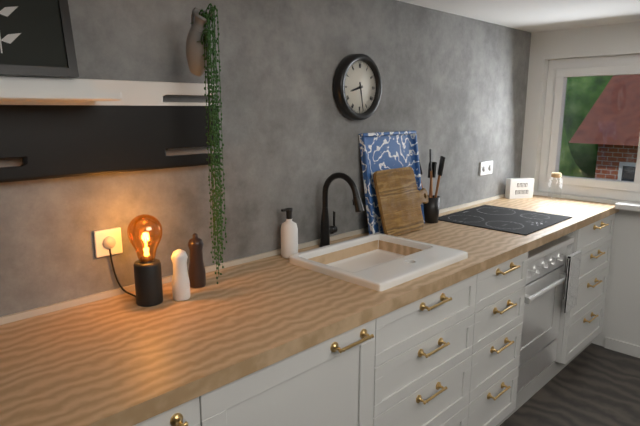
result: **8:28**
